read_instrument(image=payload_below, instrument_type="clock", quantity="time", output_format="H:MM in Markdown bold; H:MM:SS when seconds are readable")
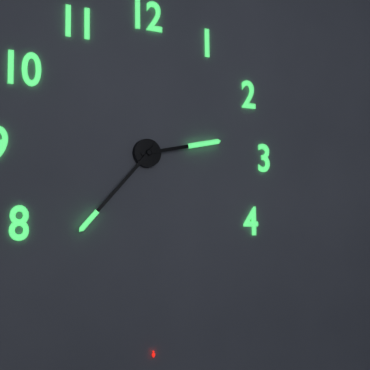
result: **2:37**
